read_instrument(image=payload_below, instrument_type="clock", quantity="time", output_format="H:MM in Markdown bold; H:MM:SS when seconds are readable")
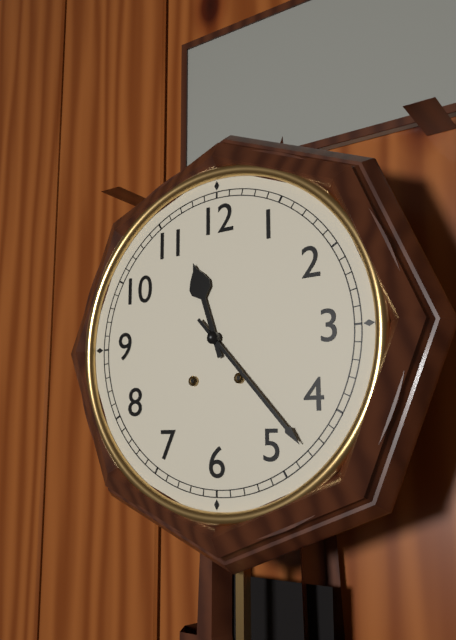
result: **11:23**
